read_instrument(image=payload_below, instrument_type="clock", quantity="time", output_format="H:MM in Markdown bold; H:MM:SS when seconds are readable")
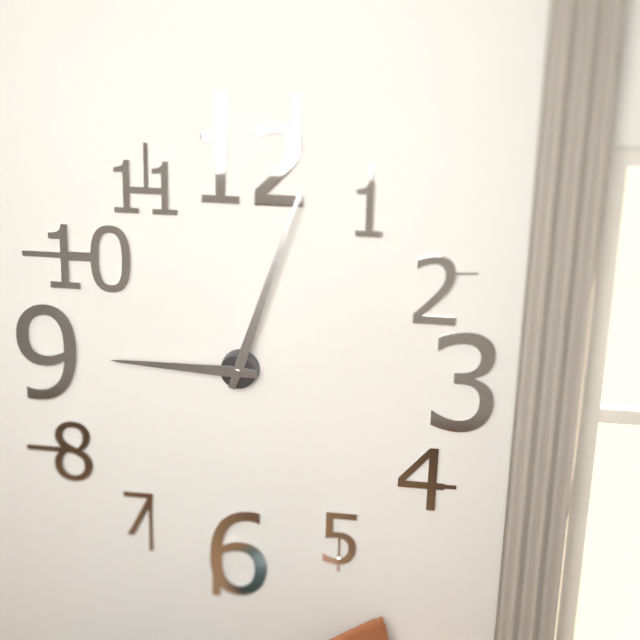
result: **9:03**
